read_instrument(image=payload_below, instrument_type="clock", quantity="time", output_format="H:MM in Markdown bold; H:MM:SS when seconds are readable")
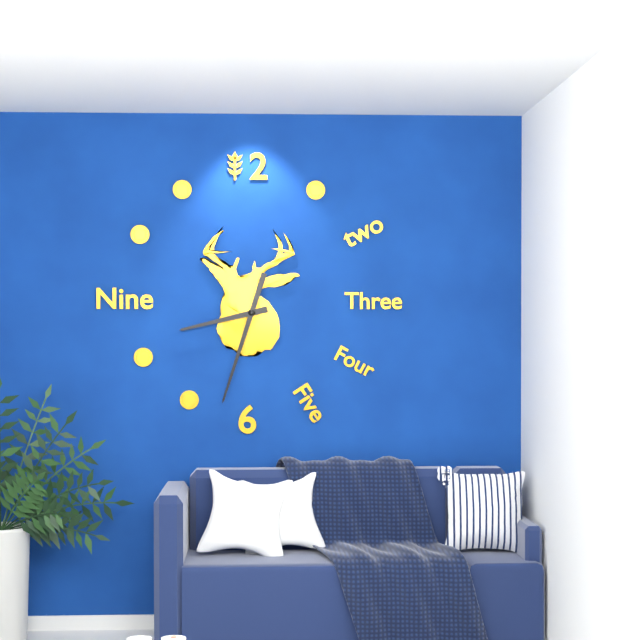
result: **8:33**
